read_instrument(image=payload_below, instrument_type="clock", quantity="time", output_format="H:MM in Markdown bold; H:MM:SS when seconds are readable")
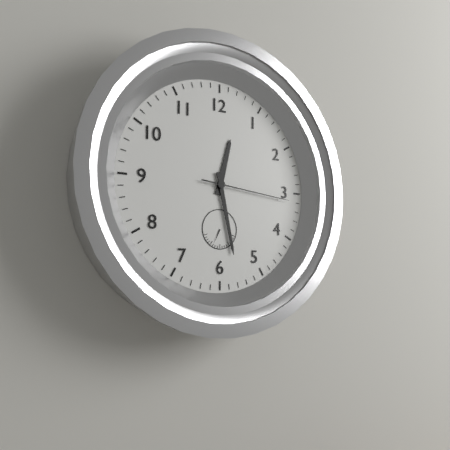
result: **12:28:16**
